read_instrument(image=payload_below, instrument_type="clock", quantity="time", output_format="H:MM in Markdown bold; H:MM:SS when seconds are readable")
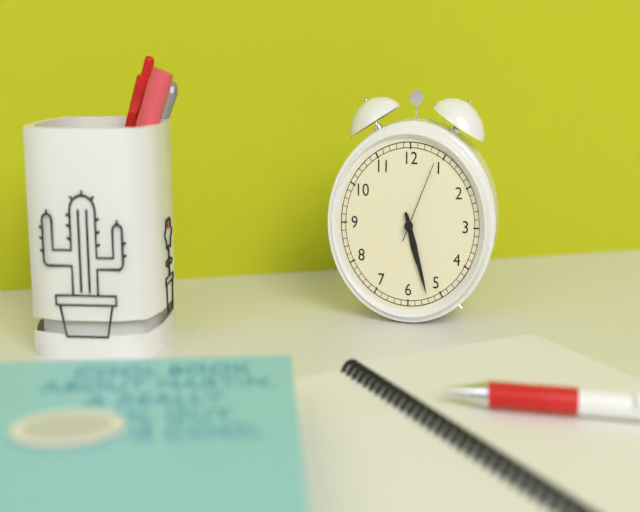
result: **5:27:04**
